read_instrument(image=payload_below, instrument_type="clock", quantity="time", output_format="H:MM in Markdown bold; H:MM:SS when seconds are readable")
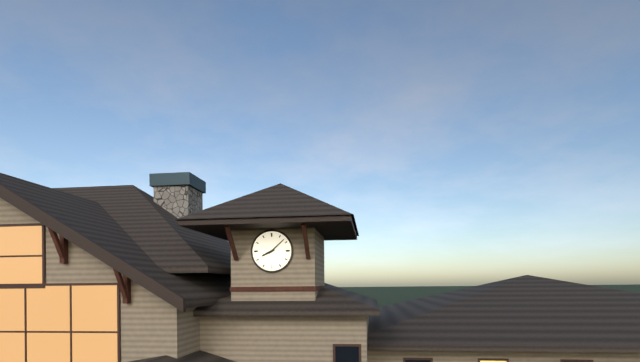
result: **8:08**
